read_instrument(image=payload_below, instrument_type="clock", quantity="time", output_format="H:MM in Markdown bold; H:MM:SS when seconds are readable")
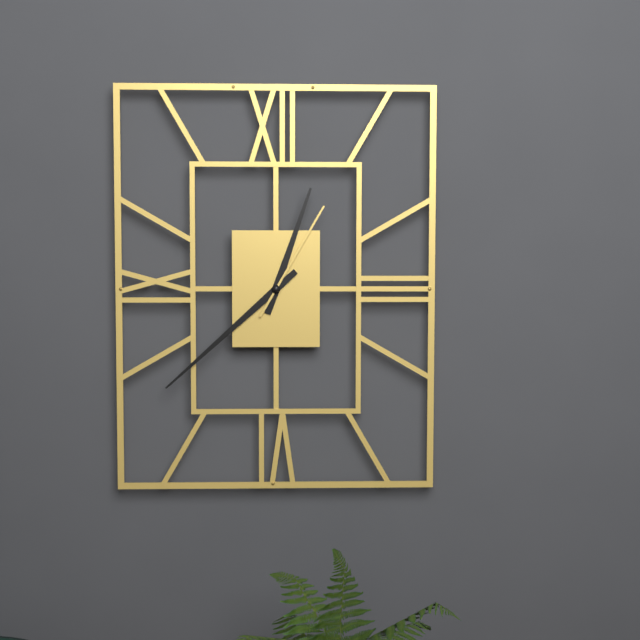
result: **12:38:05**
